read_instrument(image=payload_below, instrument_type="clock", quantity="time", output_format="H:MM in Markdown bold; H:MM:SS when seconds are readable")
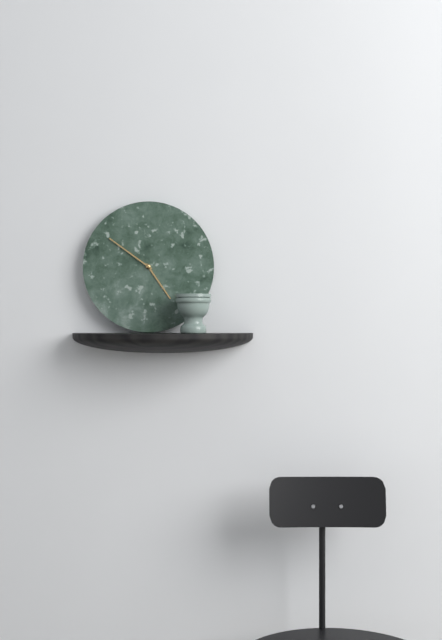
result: **4:51**
